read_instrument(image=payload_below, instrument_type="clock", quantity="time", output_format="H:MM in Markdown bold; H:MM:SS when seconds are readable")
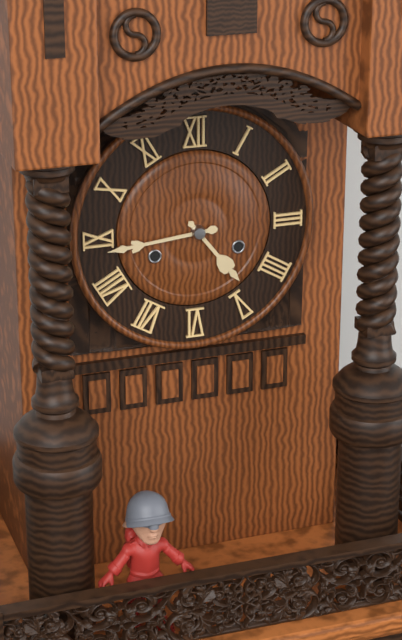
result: **4:44**
